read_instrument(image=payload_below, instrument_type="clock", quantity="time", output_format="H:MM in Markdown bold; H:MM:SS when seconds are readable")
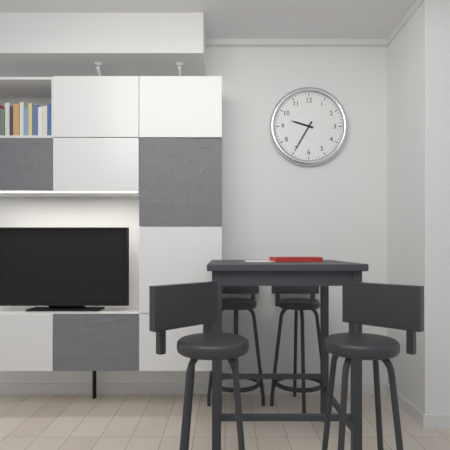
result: **9:35**
